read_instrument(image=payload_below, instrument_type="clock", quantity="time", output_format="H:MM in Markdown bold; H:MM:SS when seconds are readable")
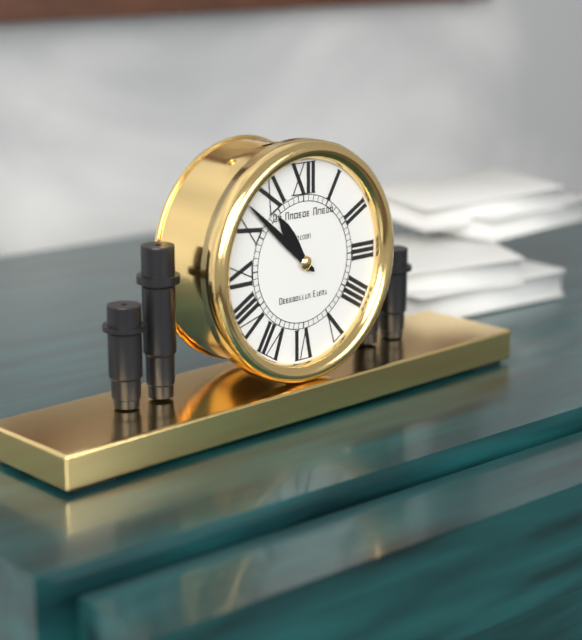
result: **10:52**
